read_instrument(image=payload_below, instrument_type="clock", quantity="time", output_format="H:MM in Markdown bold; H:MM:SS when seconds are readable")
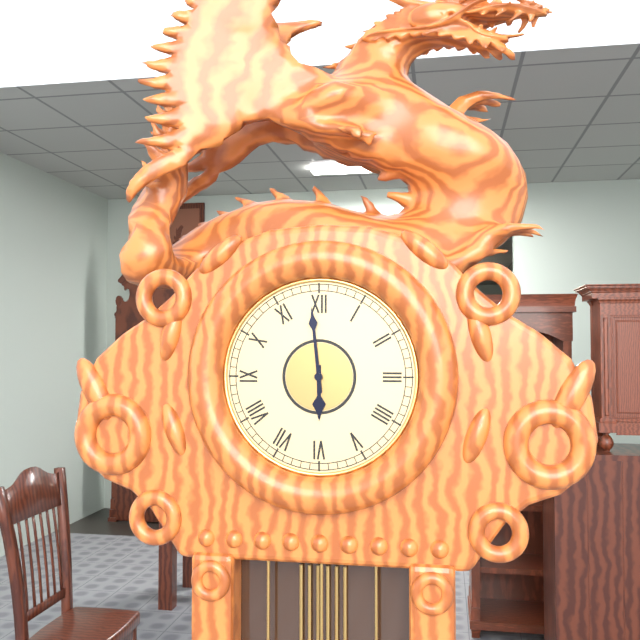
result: **5:59**
